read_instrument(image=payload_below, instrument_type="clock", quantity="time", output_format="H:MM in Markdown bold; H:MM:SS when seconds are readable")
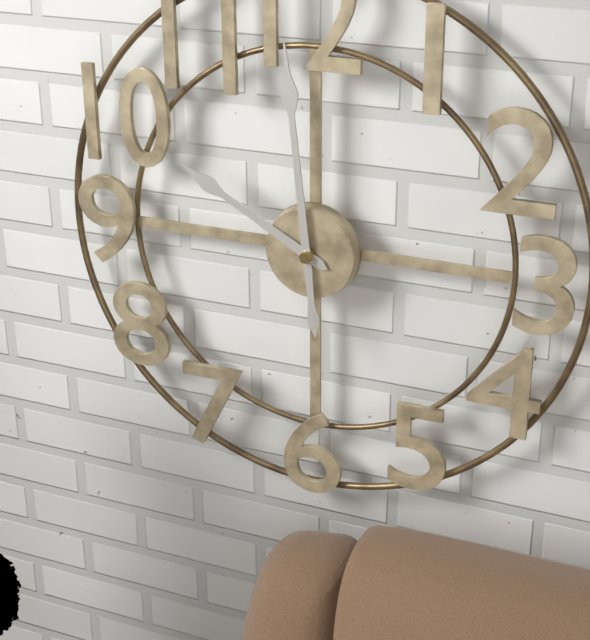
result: **9:59**
